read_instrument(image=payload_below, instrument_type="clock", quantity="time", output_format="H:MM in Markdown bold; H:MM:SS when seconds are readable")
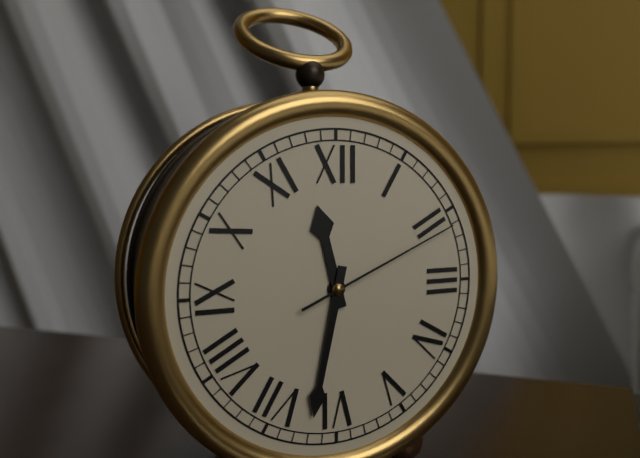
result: **11:32:11**
